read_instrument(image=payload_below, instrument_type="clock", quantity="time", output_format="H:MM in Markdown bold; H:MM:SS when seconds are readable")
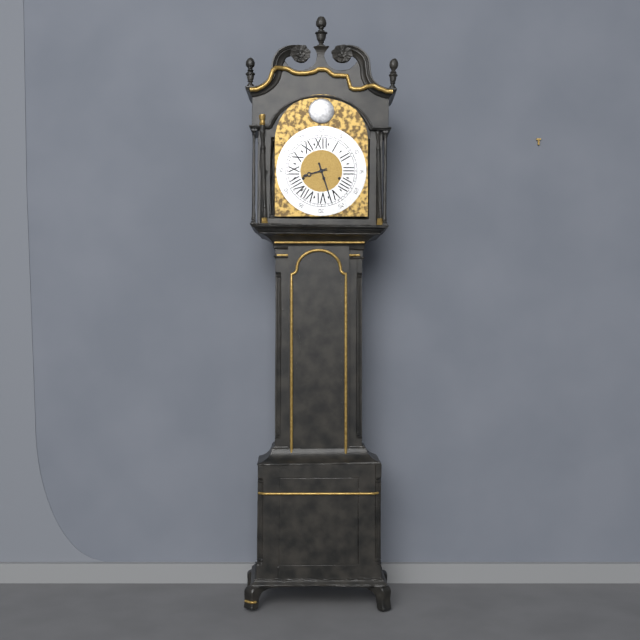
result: **8:27**
